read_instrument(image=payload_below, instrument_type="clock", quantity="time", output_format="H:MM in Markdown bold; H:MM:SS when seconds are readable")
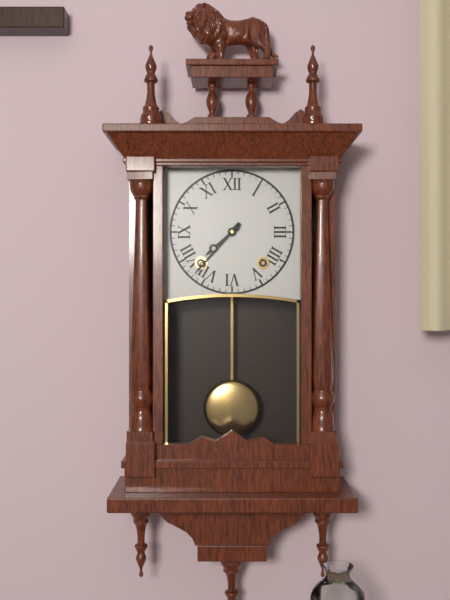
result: **7:37**
